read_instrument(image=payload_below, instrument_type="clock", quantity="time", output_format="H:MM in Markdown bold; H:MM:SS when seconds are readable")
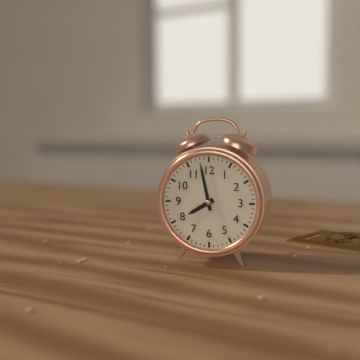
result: **7:58**
